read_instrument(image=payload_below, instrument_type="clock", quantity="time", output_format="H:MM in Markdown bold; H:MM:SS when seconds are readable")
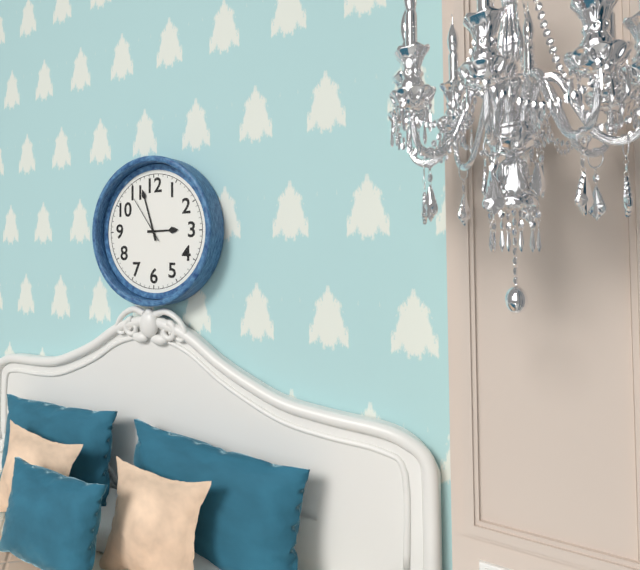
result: **2:57**
